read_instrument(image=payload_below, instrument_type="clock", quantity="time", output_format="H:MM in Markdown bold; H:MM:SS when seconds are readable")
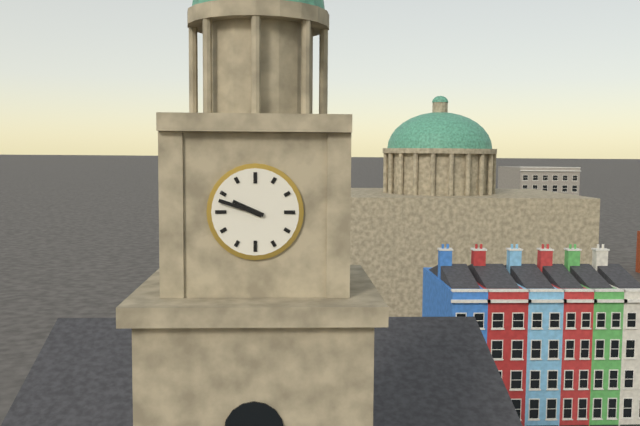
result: **9:48**
